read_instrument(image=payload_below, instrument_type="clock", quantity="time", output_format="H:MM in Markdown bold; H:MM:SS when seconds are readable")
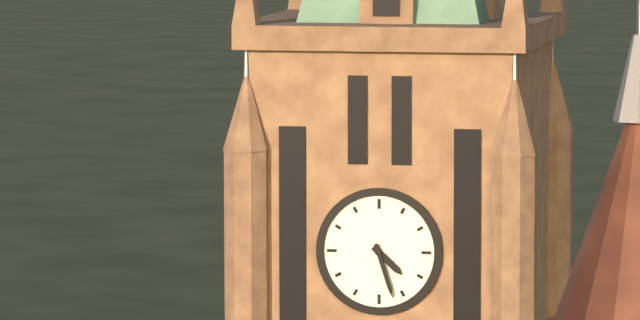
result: **4:27**
